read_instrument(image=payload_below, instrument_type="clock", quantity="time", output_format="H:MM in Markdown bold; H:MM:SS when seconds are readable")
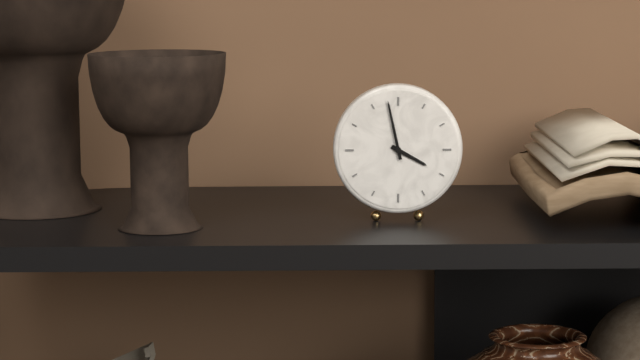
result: **3:58**
